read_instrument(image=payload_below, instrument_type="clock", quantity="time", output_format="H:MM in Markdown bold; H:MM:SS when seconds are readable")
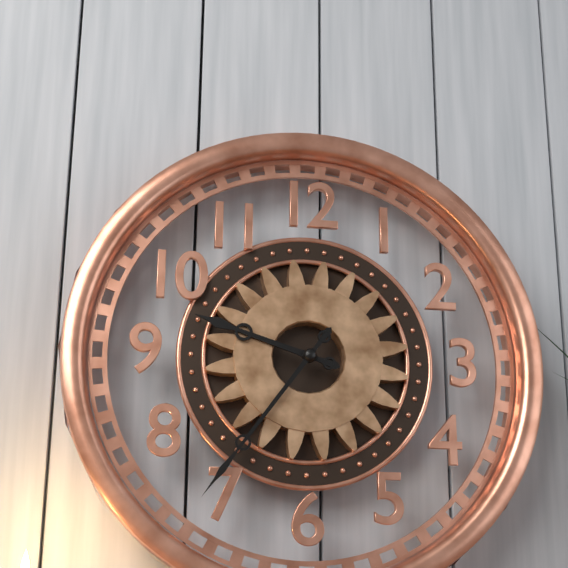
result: **9:36**
